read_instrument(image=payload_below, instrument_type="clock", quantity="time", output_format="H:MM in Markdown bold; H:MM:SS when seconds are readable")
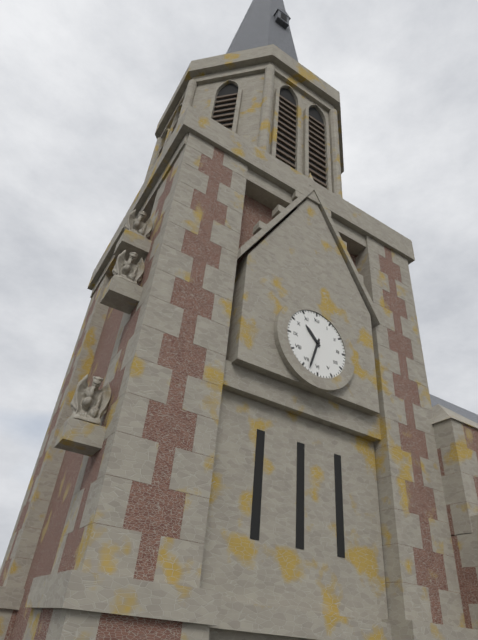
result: **10:33**
